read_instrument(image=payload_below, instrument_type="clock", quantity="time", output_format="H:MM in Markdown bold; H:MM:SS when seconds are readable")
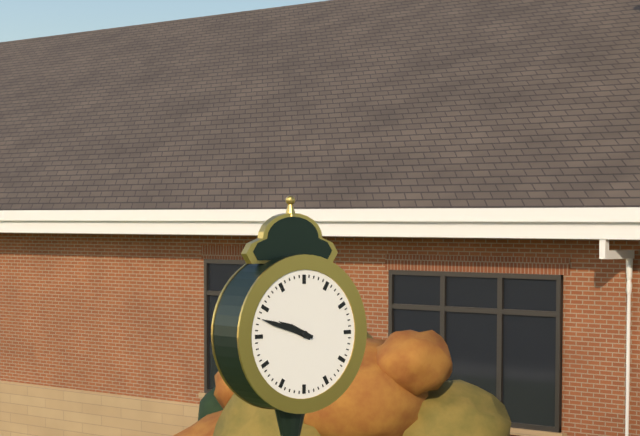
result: **9:48**
